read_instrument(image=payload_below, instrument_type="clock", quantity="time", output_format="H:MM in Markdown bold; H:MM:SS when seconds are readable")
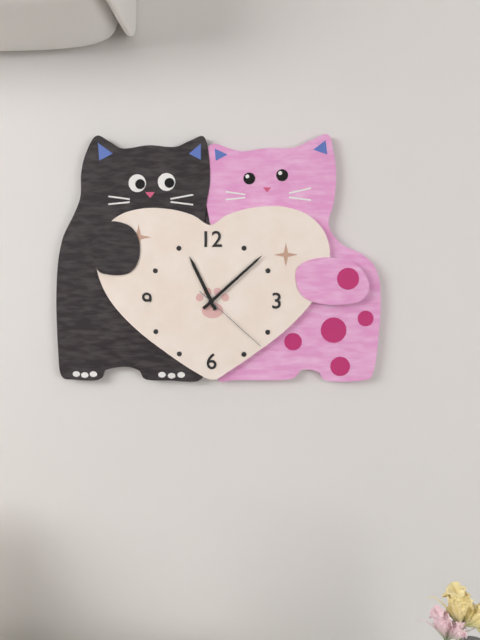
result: **11:08:22**
